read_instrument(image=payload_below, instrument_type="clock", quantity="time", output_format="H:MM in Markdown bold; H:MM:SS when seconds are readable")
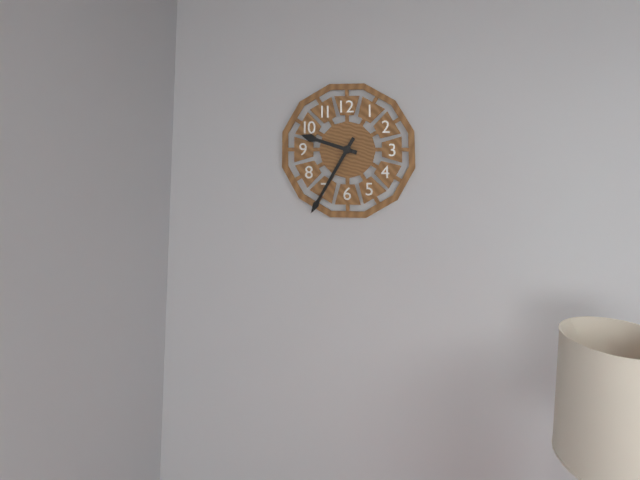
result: **9:35**
